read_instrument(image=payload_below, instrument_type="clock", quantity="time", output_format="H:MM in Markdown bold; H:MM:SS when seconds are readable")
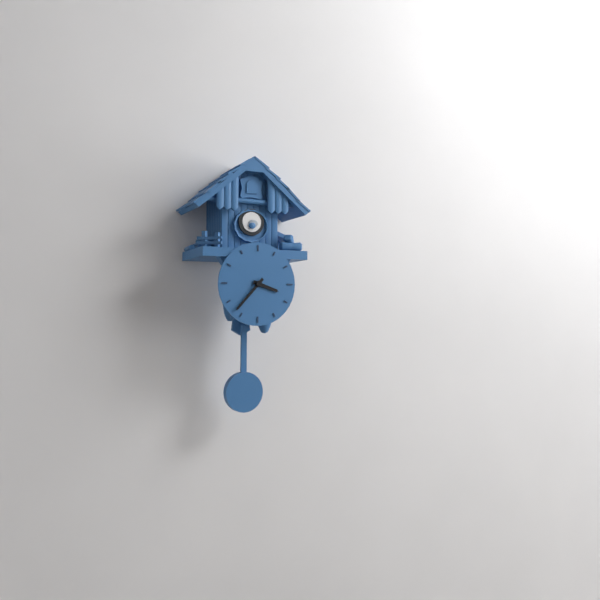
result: **3:37**
